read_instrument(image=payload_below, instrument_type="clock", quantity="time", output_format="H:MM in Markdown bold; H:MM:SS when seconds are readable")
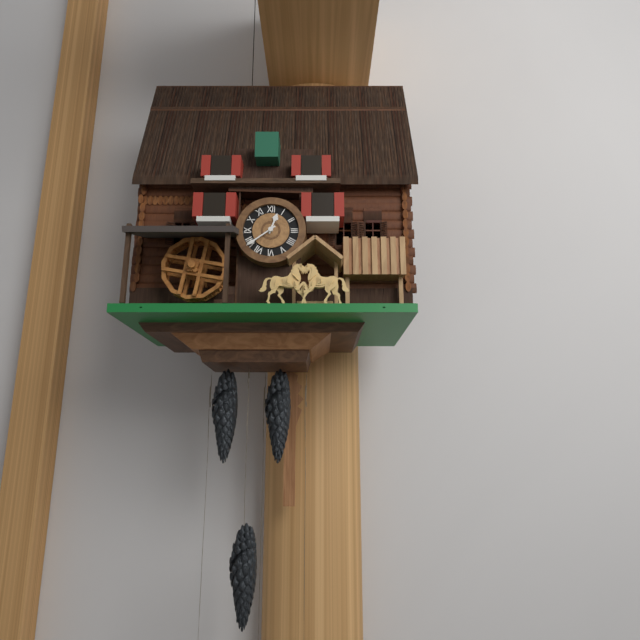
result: **12:39**
